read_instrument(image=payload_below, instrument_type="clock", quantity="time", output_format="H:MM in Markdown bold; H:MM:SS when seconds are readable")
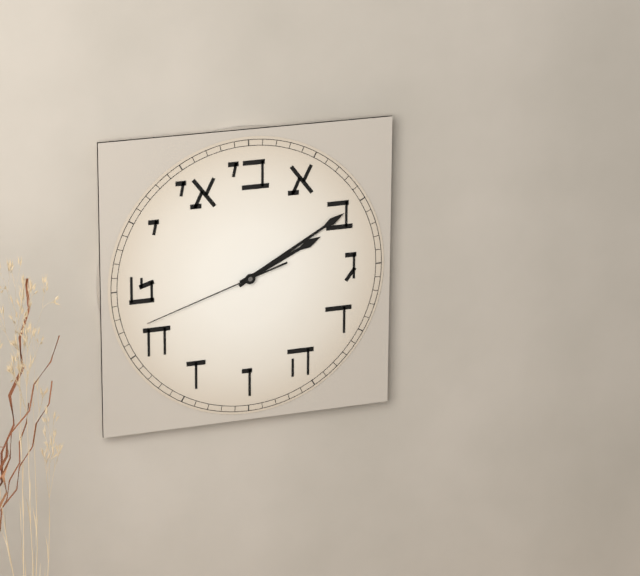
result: **2:10:42**
